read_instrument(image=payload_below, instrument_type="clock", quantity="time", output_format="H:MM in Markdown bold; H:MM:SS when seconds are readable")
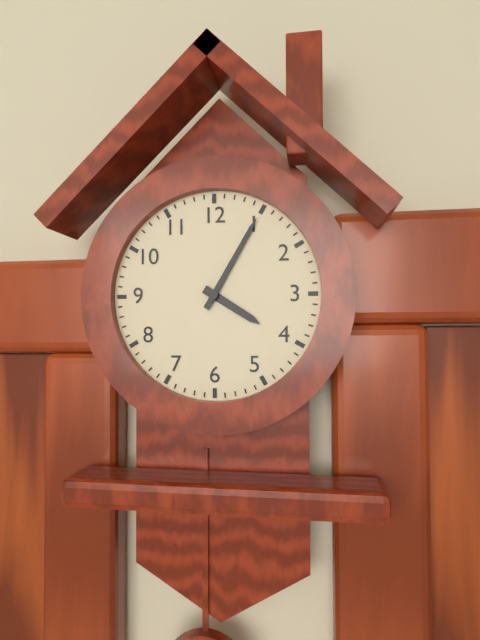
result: **4:05**
